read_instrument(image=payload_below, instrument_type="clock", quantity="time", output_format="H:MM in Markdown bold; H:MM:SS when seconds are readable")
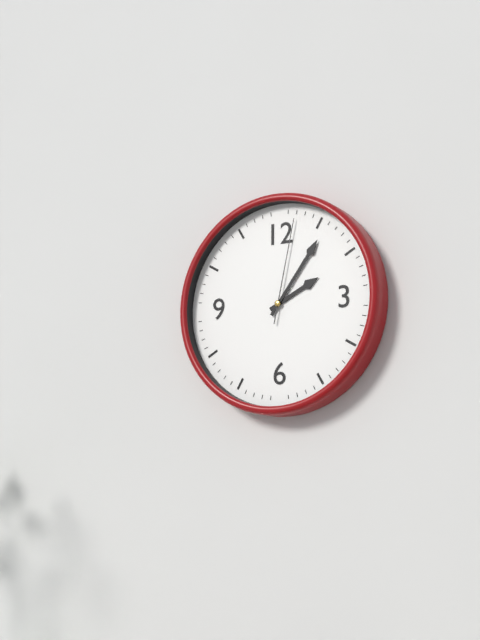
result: **2:06:02**
